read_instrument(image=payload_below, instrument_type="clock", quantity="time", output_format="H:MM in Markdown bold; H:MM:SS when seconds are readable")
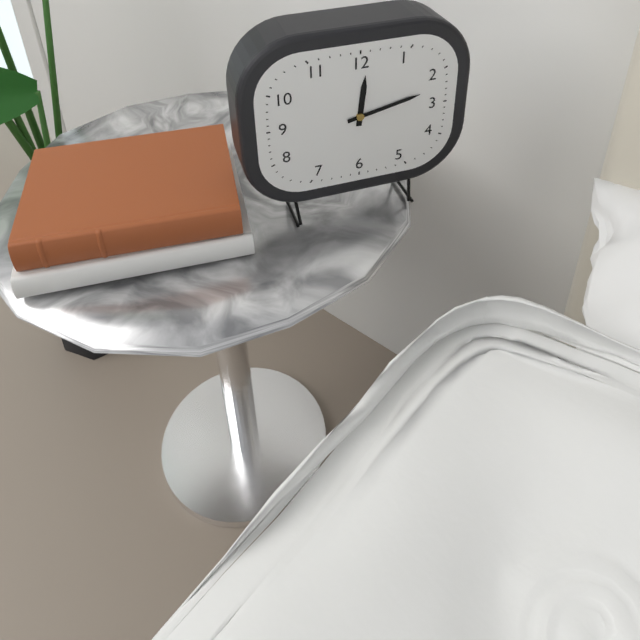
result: **12:13**
